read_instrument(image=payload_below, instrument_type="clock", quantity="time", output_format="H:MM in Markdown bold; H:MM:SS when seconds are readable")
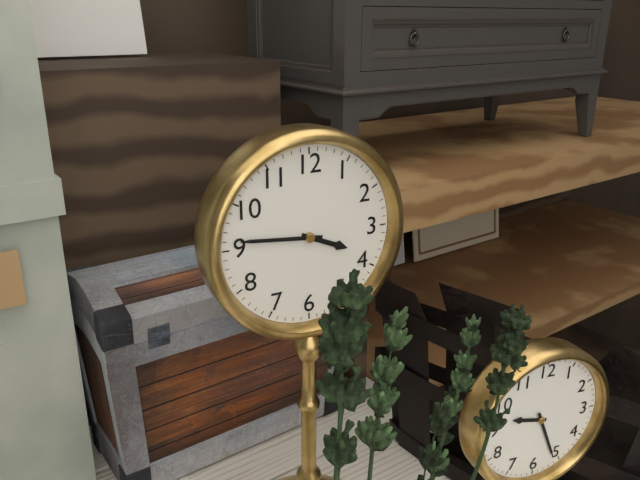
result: **3:46**
